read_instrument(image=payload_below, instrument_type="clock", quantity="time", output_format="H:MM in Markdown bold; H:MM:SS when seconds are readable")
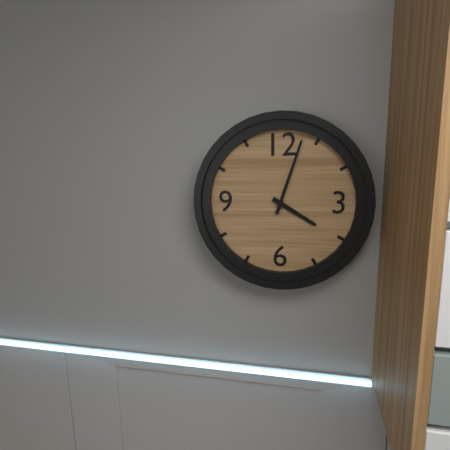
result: **4:03**
